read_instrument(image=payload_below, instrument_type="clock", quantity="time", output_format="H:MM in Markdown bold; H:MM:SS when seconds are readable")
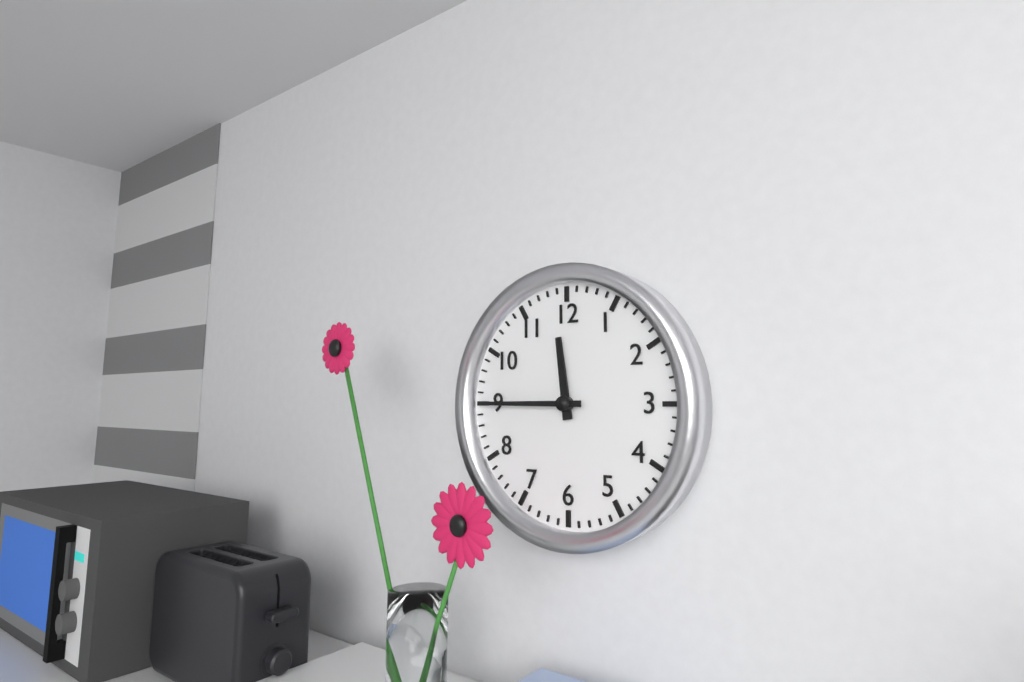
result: **11:45**
